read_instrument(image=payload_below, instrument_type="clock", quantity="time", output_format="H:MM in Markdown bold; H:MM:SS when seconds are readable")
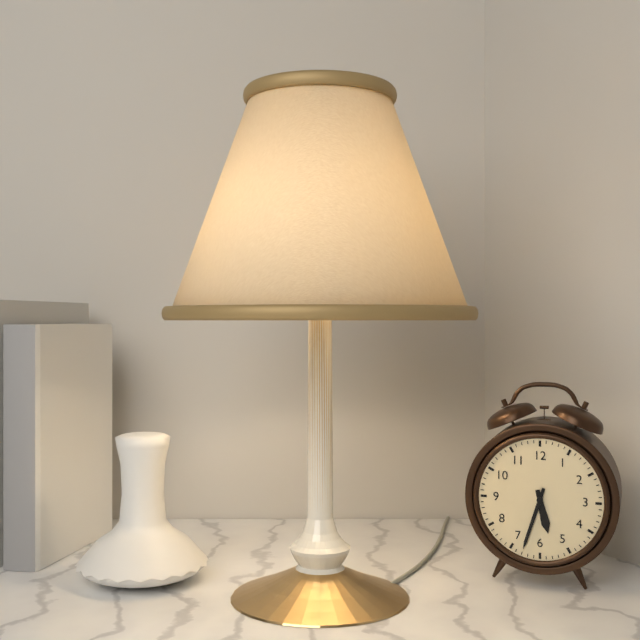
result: **5:33**
